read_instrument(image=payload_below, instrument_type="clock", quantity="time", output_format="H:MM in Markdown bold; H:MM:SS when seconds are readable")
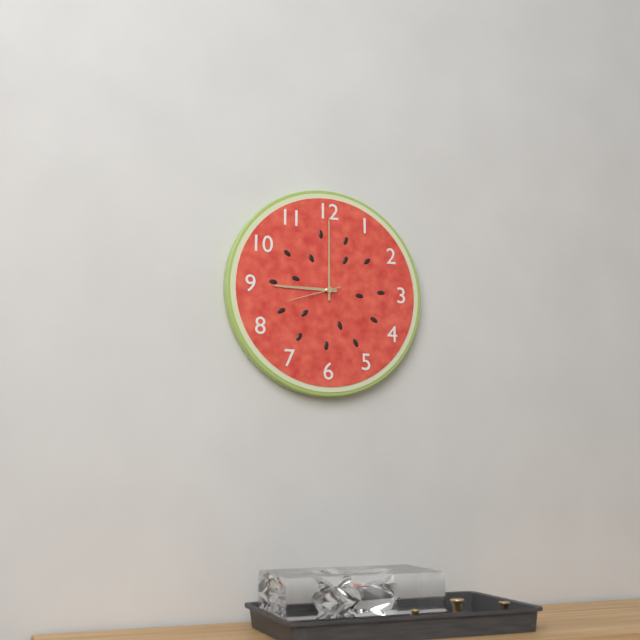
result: **9:00:42**
